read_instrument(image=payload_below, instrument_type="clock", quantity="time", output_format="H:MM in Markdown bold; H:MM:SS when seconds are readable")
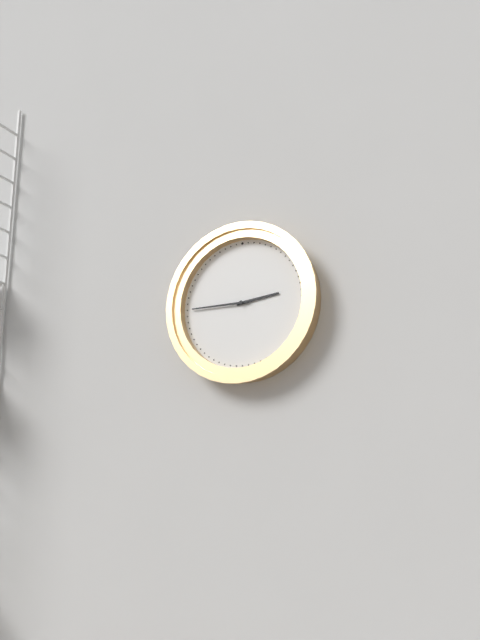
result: **2:45**
